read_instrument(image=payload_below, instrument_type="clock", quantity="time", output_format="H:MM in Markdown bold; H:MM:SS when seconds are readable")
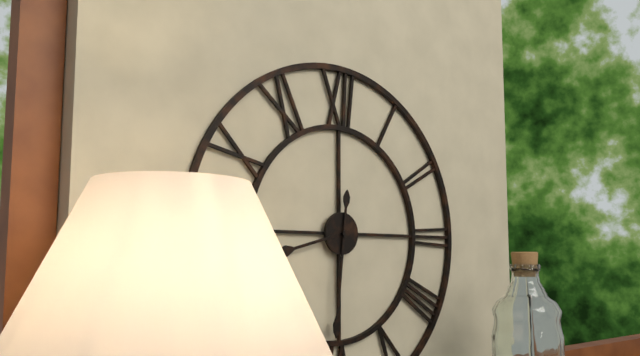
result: **8:31**
